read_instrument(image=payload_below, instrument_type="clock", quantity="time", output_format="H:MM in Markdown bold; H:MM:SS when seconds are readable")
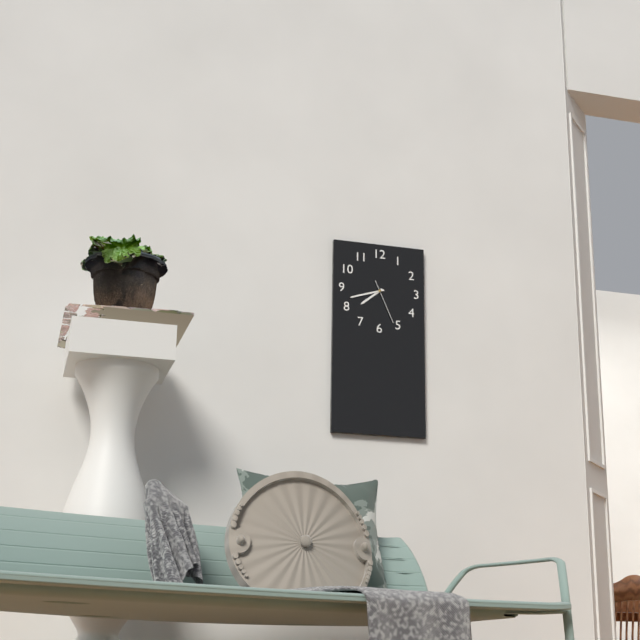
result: **7:42**
